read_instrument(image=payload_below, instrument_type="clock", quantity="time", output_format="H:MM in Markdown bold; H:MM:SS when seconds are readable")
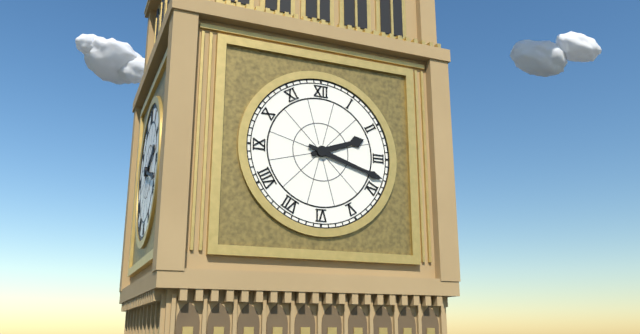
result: **2:18**
